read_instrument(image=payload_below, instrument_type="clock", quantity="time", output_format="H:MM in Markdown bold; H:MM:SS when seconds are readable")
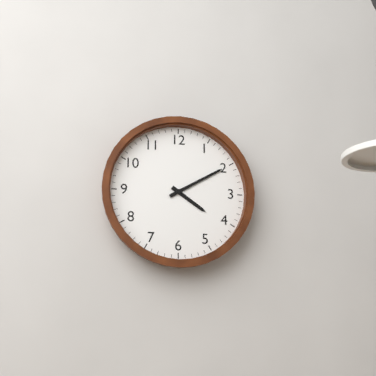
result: **4:10**
